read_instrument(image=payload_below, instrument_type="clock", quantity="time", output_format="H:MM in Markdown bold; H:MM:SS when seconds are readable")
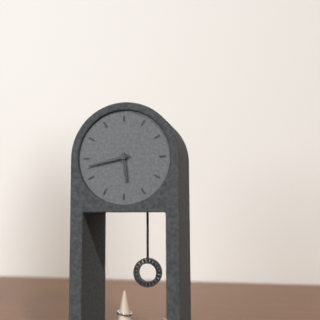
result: **5:43**
